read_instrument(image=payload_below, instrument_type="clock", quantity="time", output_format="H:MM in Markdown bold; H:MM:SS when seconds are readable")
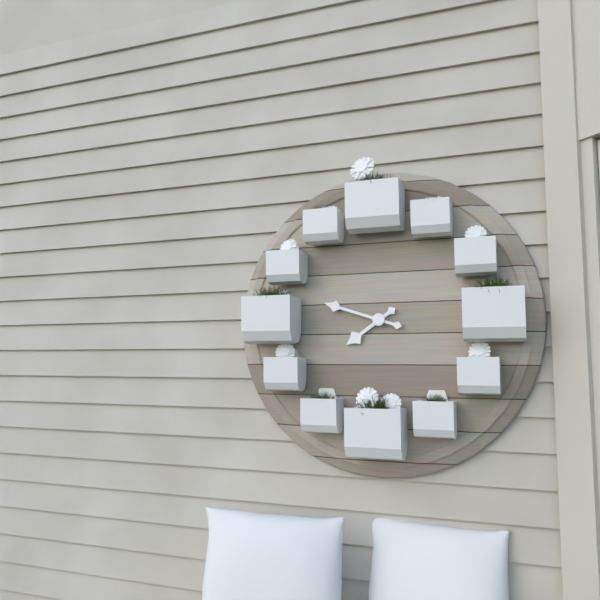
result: **7:48**
